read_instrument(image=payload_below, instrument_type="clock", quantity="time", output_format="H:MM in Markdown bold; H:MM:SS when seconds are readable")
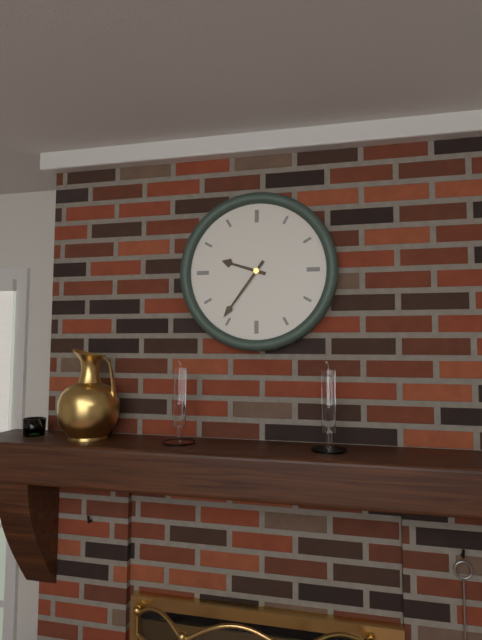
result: **9:36**
